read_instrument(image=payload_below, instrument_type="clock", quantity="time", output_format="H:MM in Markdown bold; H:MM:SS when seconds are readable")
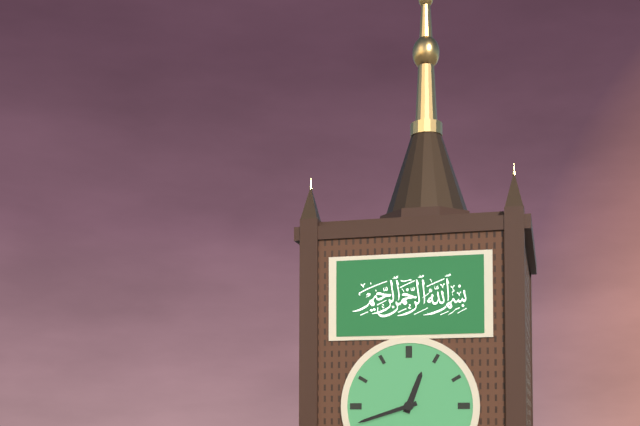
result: **12:42**
